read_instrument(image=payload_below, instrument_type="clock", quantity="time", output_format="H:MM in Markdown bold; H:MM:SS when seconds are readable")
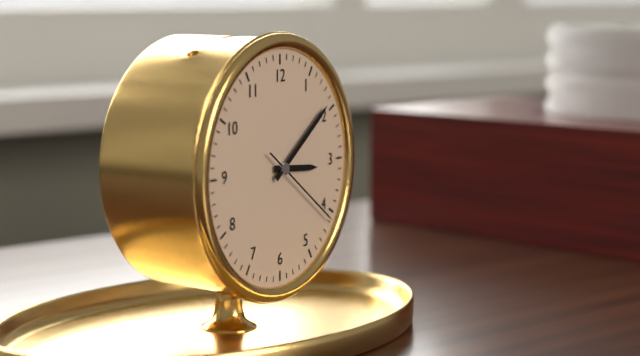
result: **3:09:21**
